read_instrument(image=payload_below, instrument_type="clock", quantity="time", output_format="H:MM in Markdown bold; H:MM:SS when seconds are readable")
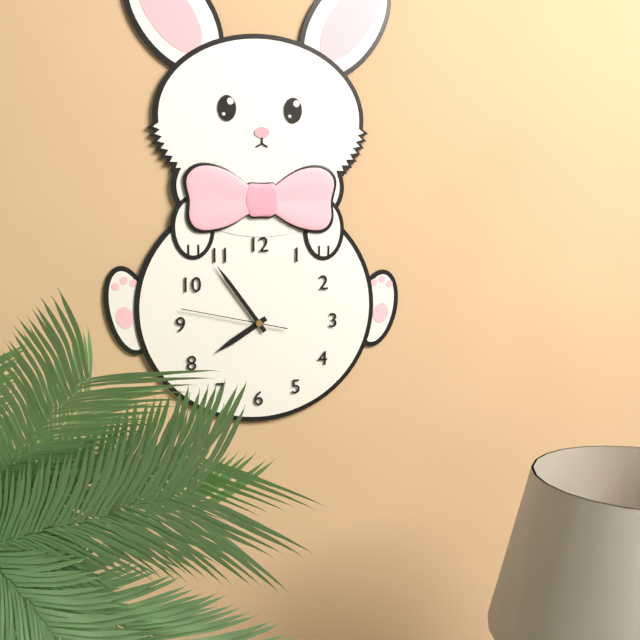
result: **7:54:47**
